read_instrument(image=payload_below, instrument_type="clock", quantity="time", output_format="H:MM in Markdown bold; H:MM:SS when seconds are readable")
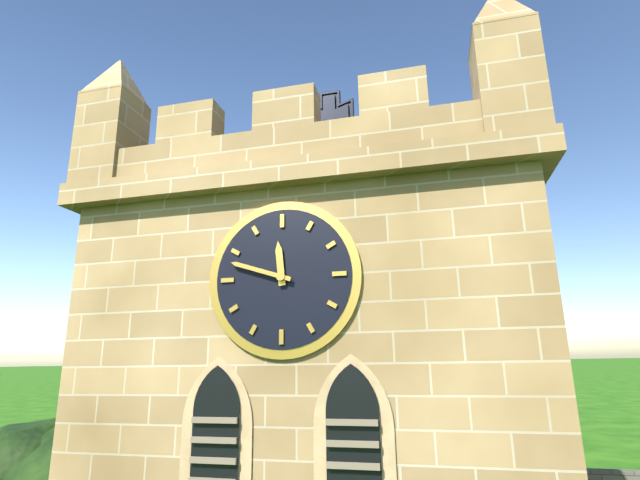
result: **11:48**
